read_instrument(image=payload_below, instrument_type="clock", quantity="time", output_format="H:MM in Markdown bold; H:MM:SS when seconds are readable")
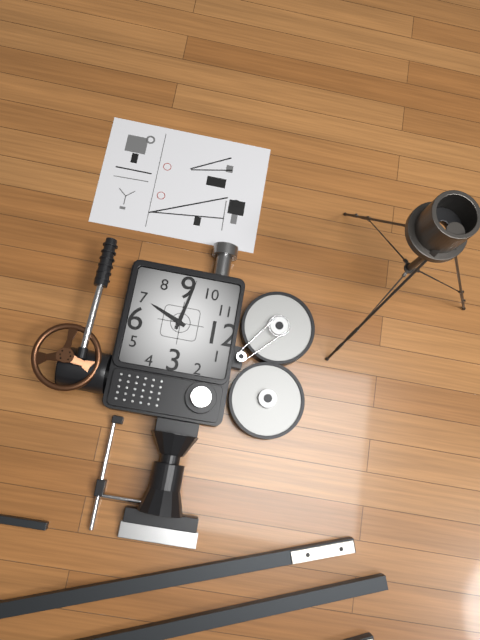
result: **6:47**
